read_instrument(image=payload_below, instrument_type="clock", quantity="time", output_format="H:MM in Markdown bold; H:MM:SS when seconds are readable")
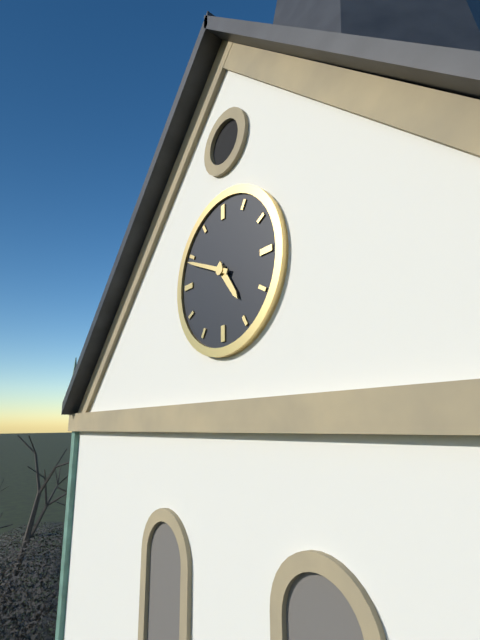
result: **4:49**
